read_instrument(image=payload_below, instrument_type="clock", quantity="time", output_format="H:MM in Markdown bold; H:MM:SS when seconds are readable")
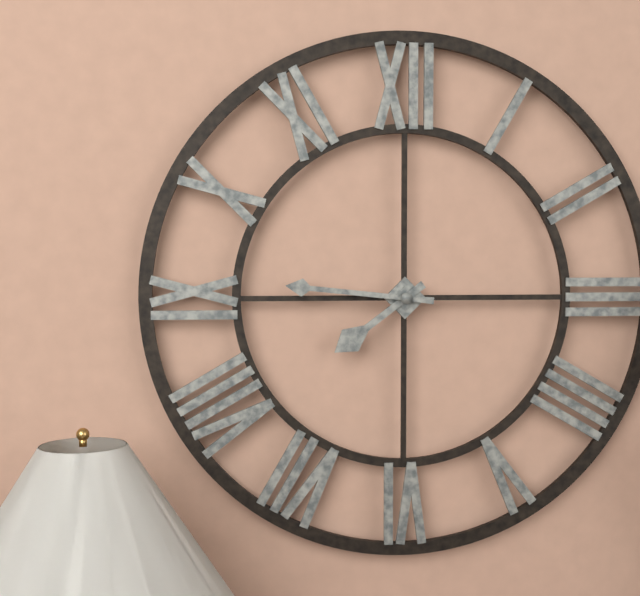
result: **7:46**
